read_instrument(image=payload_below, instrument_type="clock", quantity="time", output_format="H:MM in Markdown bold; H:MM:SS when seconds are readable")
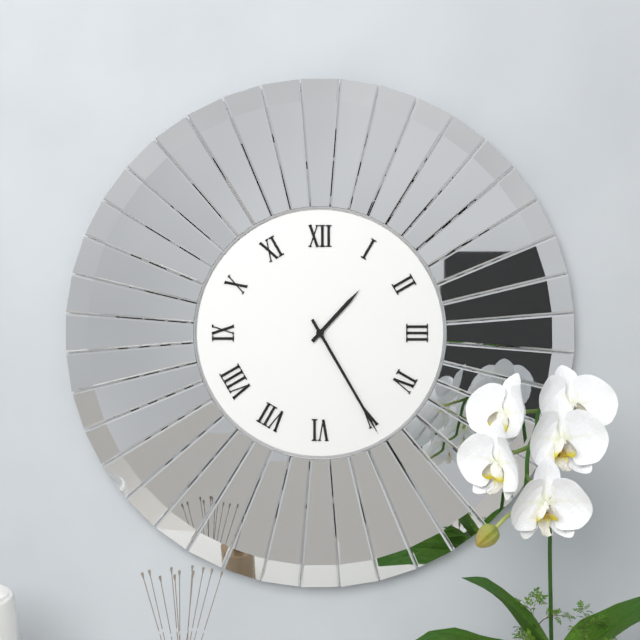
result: **1:25**
